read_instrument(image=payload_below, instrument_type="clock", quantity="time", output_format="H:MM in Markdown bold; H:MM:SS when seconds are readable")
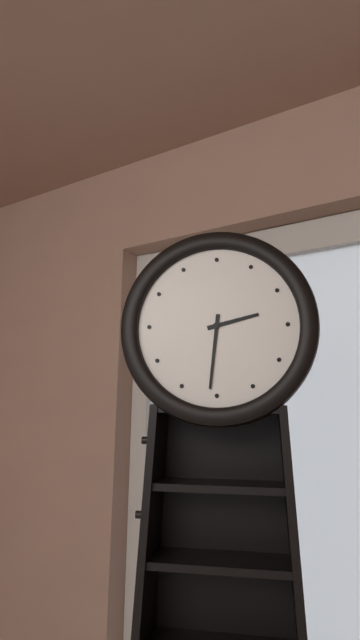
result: **2:31**
